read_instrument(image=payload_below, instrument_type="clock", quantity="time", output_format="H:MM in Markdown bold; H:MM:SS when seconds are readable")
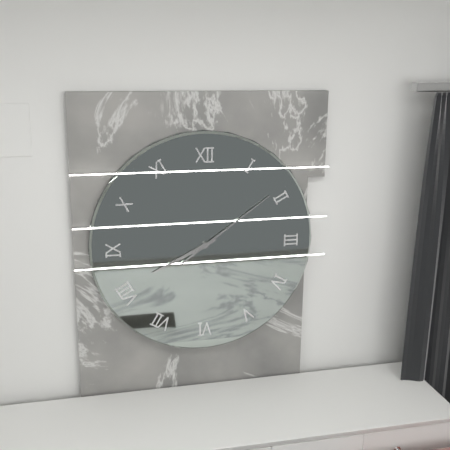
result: **8:09**
